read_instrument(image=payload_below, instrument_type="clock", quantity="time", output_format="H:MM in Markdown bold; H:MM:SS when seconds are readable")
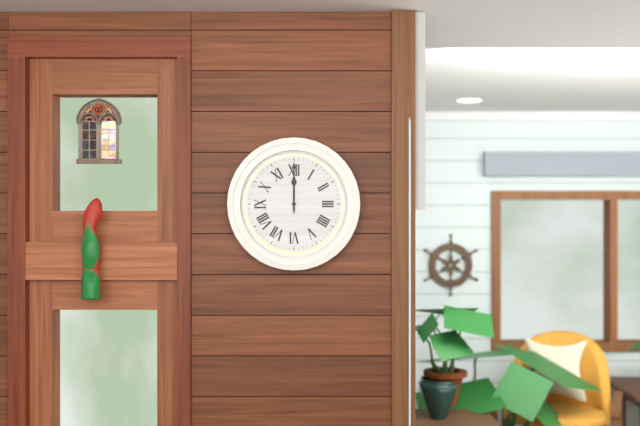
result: **12:00**
